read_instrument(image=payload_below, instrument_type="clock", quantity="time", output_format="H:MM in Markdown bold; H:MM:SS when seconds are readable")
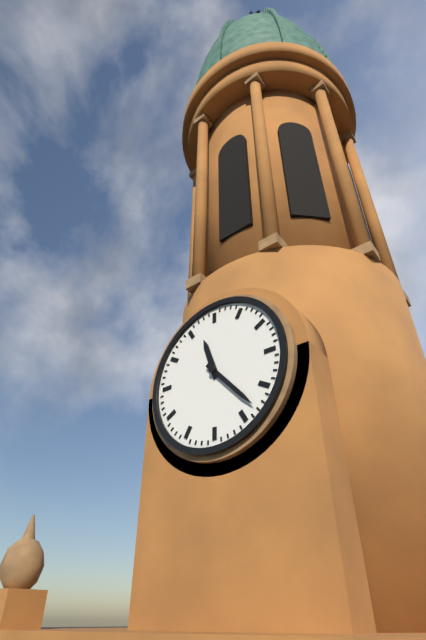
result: **11:23**
